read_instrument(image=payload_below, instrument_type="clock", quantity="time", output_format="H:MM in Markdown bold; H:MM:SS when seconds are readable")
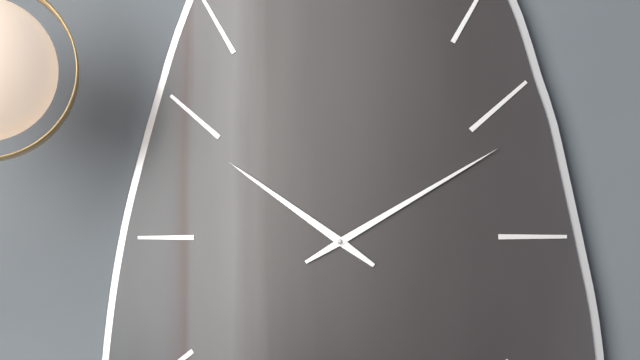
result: **10:10**
